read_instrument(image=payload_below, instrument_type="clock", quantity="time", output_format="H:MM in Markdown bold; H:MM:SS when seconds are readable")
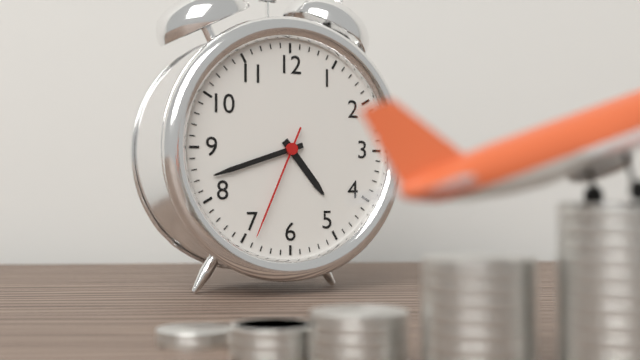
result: **4:42:34**
